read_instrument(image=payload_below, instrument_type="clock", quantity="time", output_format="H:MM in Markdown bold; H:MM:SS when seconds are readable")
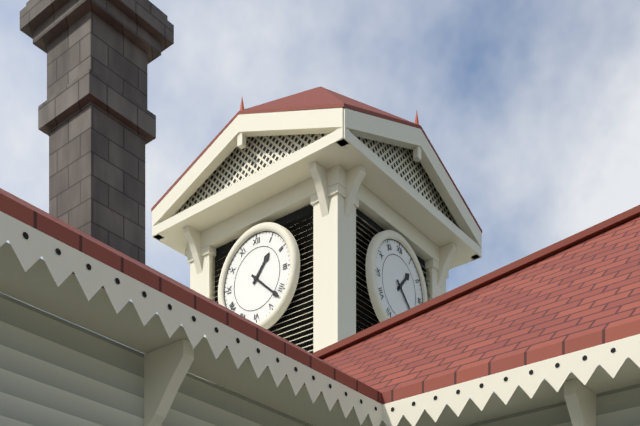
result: **1:22**
